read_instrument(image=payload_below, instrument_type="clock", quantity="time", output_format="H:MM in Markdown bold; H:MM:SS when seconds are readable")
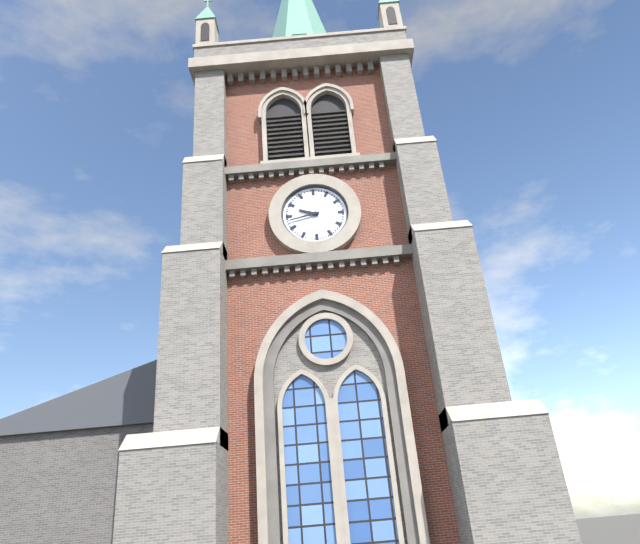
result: **9:43**
